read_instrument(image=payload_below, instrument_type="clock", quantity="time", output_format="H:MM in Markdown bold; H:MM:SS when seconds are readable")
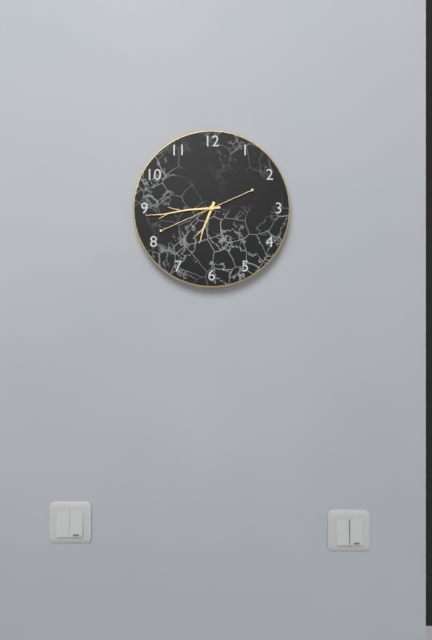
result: **6:44:41**
